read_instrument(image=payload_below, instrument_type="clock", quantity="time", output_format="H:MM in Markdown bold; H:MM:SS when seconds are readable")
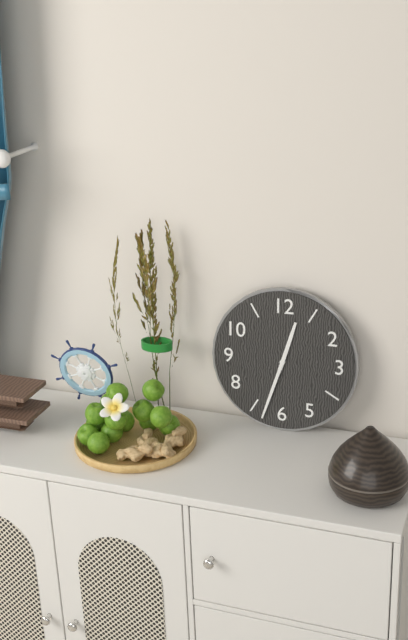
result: **12:33**
